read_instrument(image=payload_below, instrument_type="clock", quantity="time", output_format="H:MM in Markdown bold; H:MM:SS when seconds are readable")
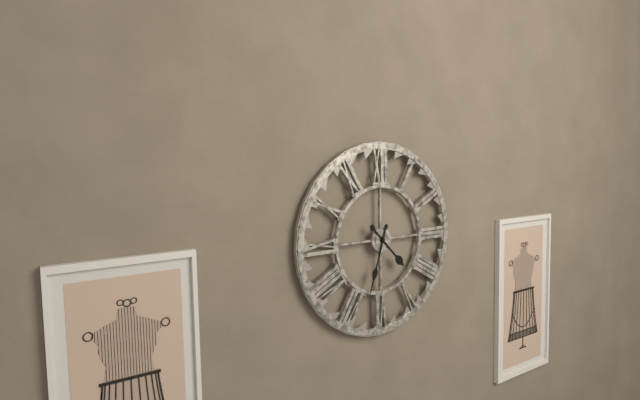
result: **4:33**
